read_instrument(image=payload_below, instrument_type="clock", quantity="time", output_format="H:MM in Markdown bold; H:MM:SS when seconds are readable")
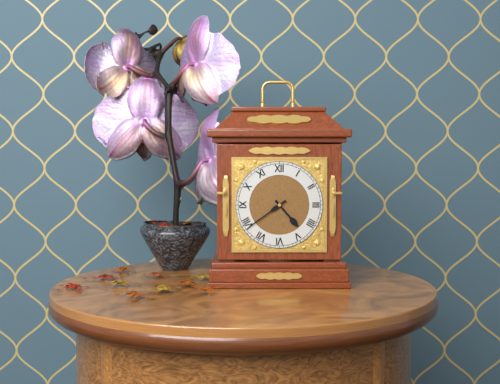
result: **4:39**
